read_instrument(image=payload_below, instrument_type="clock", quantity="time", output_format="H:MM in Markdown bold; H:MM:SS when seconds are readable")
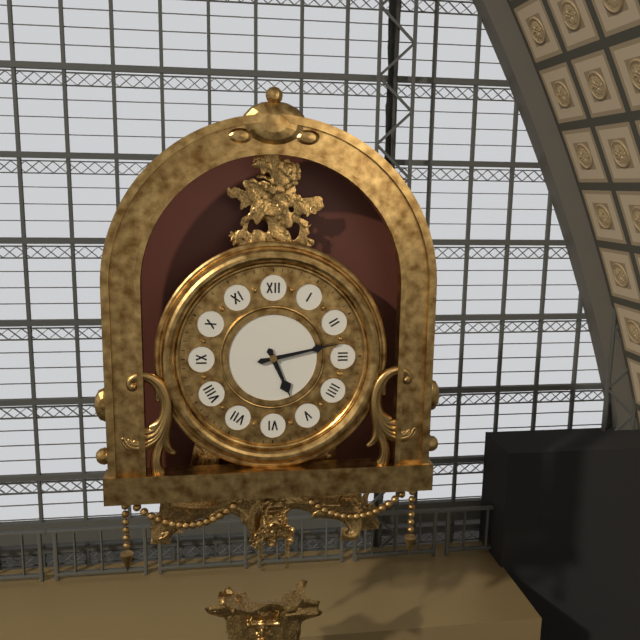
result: **5:13**
